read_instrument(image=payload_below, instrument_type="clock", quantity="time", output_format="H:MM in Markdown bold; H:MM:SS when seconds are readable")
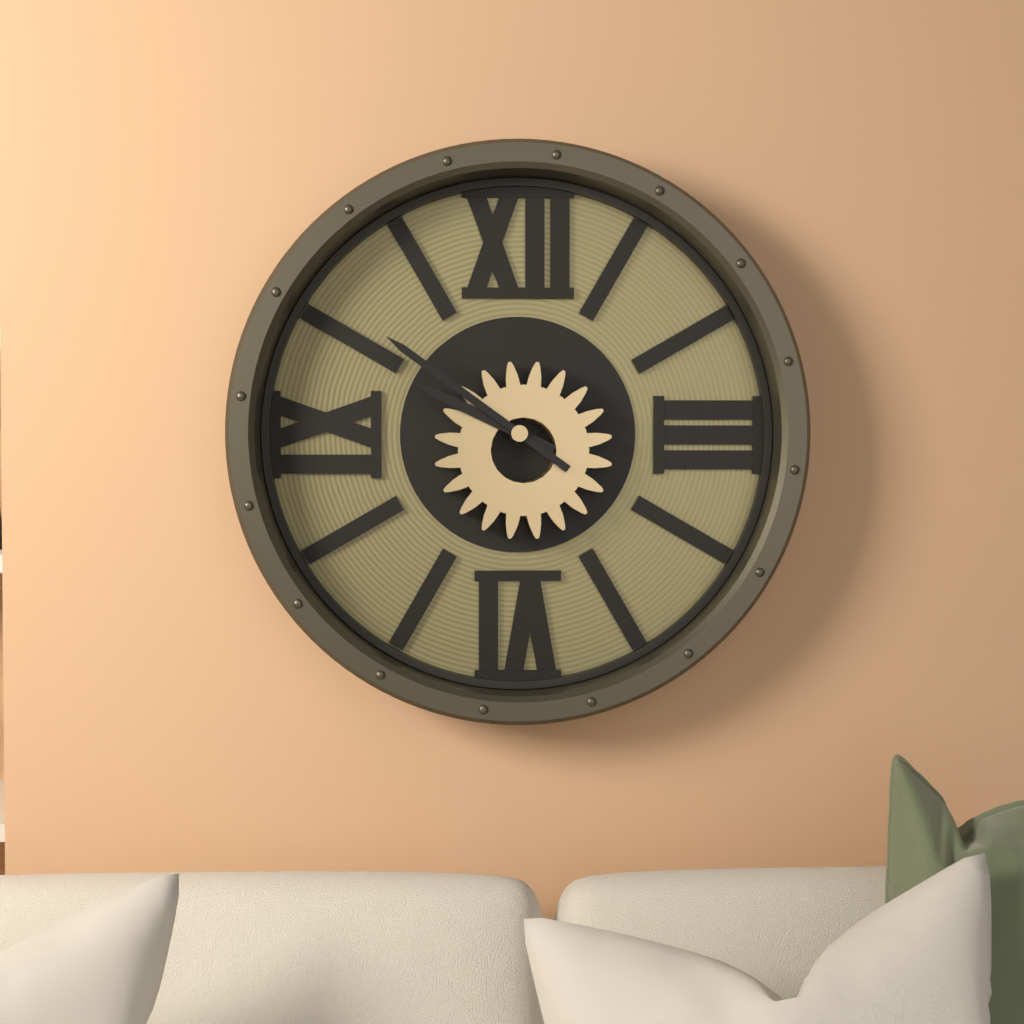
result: **9:51**
